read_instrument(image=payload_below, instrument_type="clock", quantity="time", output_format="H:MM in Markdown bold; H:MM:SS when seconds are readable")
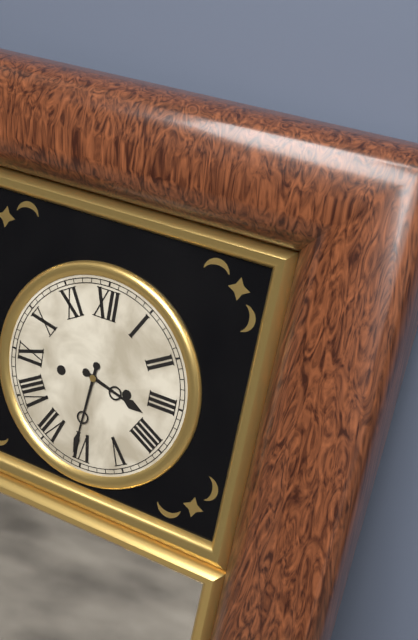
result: **3:31**
